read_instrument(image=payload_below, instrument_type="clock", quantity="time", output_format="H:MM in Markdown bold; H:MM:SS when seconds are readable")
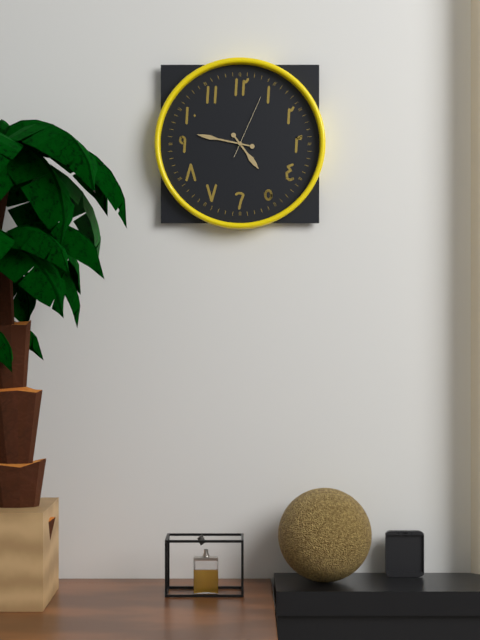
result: **4:47:04**
